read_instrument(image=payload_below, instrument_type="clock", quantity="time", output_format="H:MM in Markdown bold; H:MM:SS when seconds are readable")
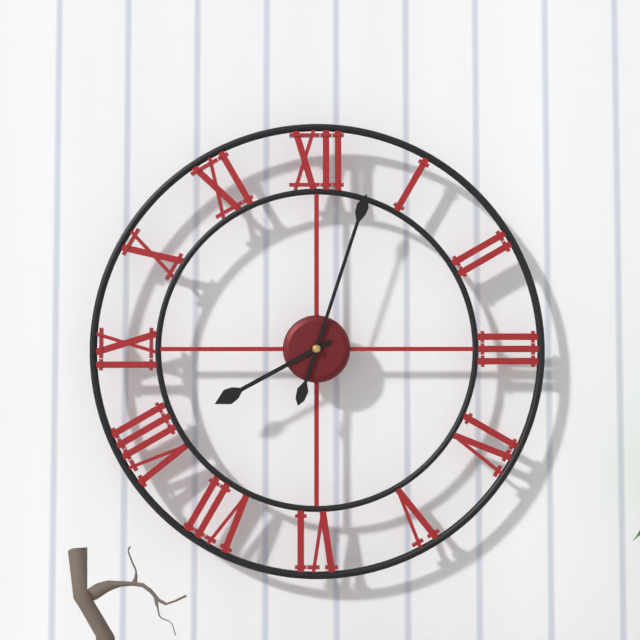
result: **8:03**
